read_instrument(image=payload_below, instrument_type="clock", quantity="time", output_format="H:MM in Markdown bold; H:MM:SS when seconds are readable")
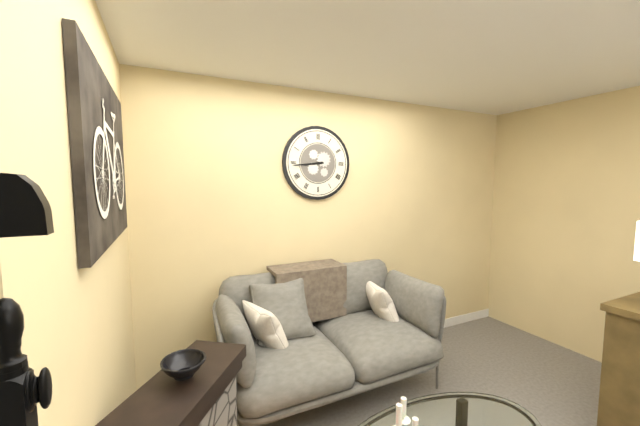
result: **8:44**
